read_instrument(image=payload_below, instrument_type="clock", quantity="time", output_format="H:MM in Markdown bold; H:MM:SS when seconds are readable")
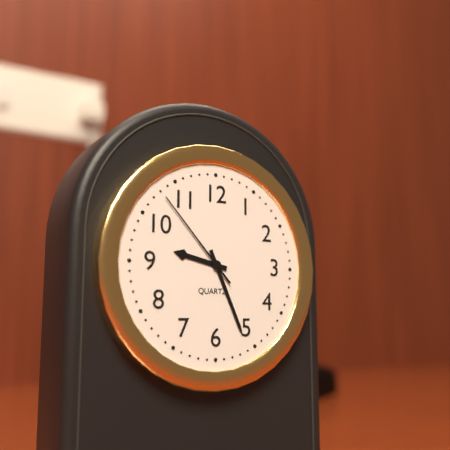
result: **9:26:53**
